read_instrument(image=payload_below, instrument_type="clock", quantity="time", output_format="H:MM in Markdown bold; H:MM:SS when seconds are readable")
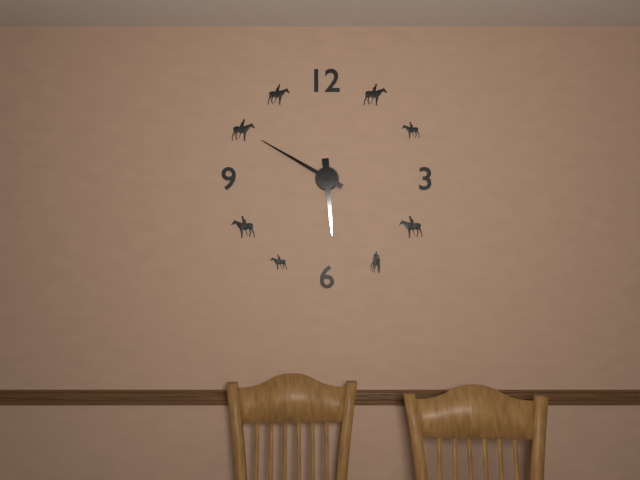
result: **5:50**
